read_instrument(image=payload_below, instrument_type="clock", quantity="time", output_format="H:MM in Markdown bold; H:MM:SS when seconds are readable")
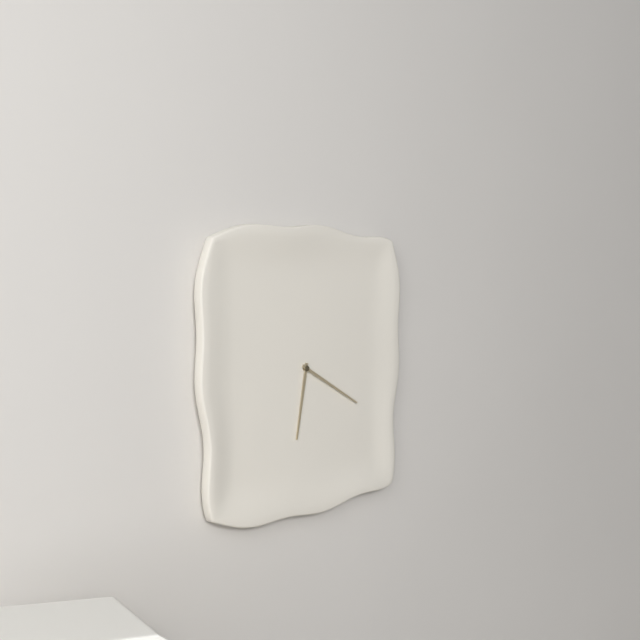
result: **6:20**
